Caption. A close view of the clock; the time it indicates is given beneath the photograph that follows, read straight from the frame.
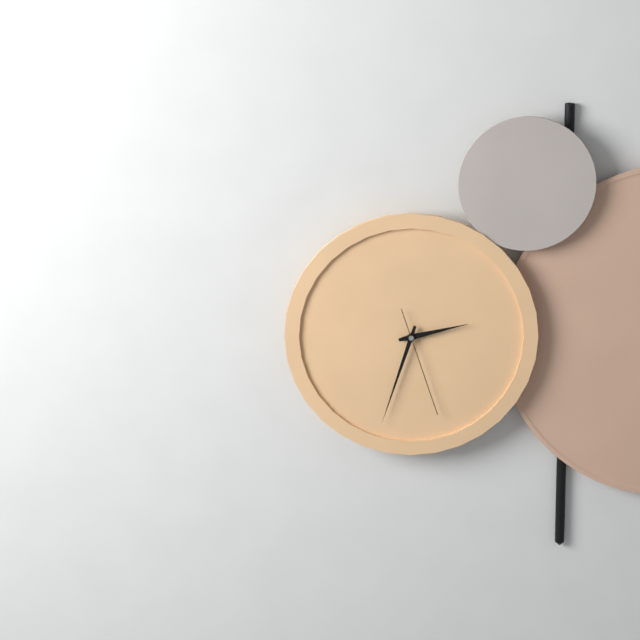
2:33:27
